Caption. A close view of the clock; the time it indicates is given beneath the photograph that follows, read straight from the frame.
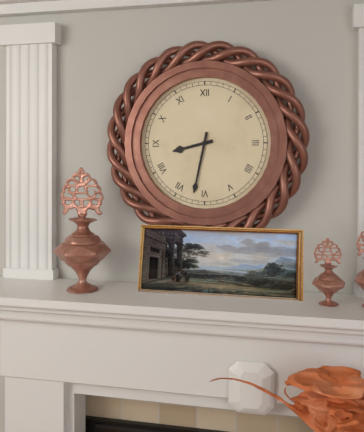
8:32
